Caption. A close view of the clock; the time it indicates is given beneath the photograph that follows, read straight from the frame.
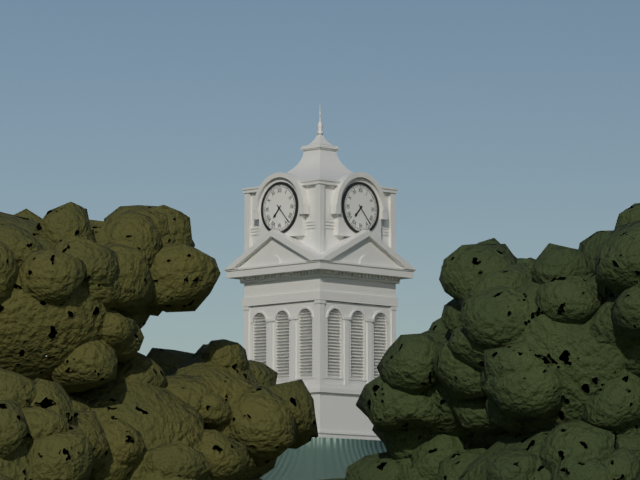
7:23
